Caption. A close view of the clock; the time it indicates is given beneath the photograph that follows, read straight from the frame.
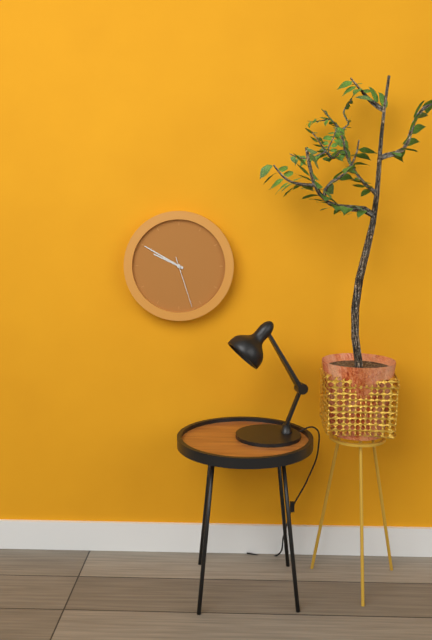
9:50:27
